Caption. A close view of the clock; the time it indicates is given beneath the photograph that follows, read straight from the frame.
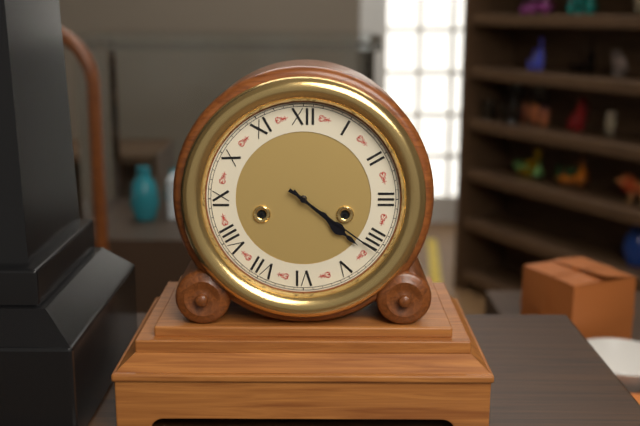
4:21
